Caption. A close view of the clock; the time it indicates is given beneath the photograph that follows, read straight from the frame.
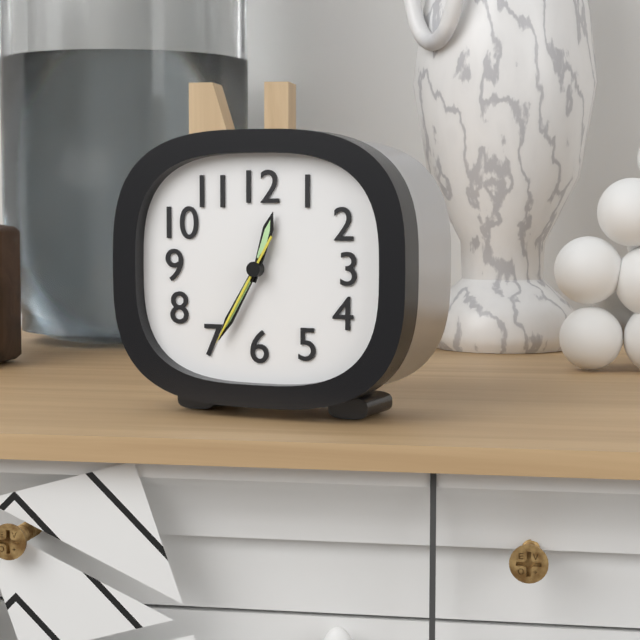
12:35:35
